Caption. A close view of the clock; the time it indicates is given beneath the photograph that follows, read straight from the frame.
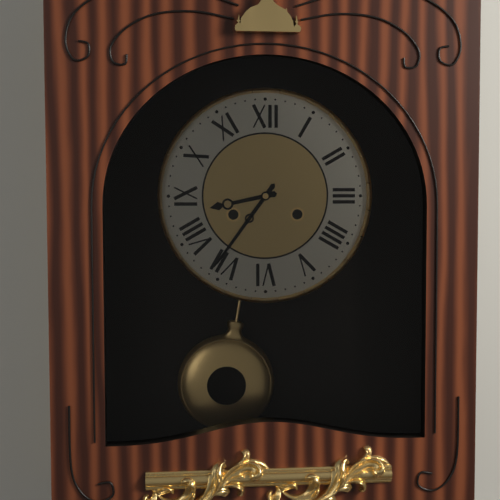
8:36
